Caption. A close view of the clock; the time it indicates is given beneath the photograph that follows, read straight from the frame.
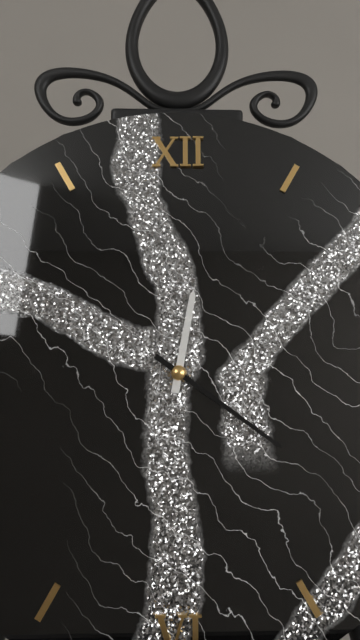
12:21
